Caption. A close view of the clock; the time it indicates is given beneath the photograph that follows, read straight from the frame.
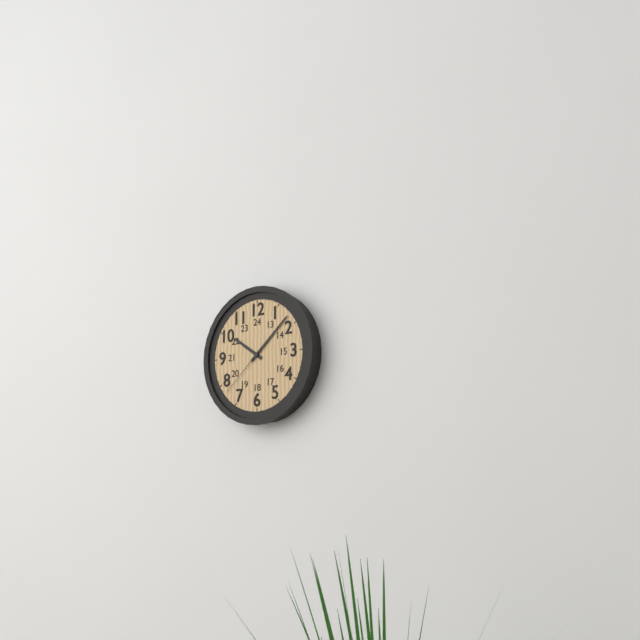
10:08:38
